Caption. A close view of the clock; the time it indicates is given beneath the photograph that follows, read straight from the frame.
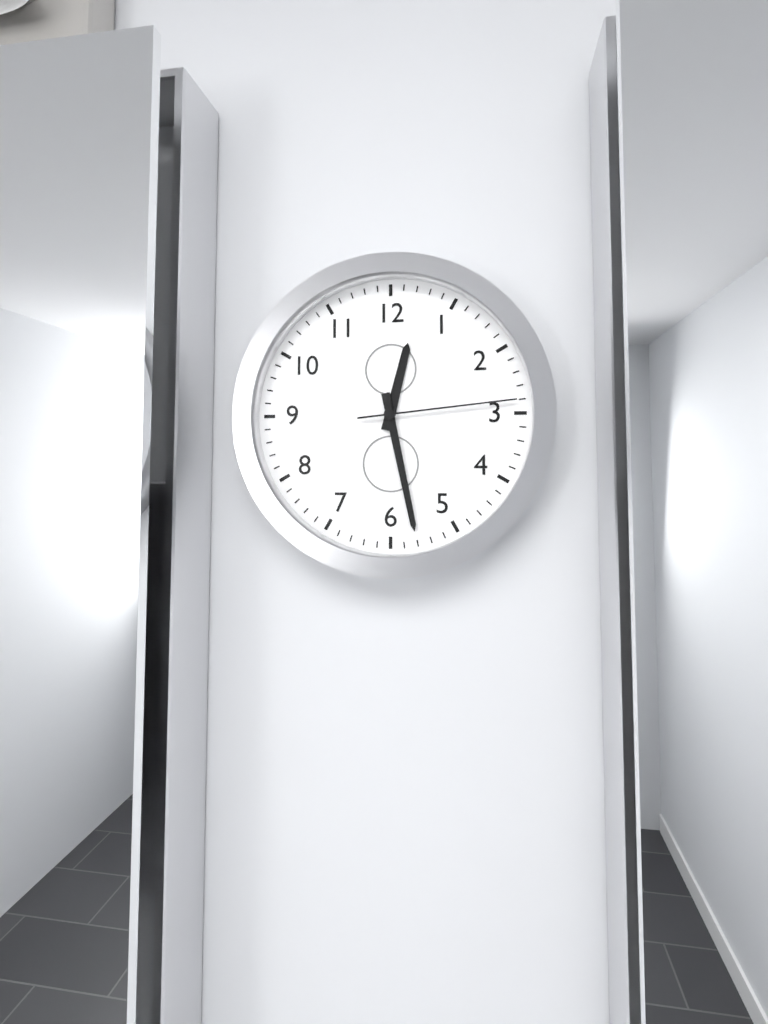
12:28:14
